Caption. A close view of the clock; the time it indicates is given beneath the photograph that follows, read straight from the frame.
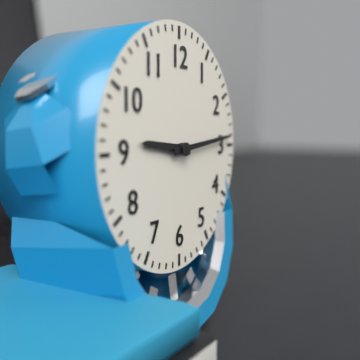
9:14
